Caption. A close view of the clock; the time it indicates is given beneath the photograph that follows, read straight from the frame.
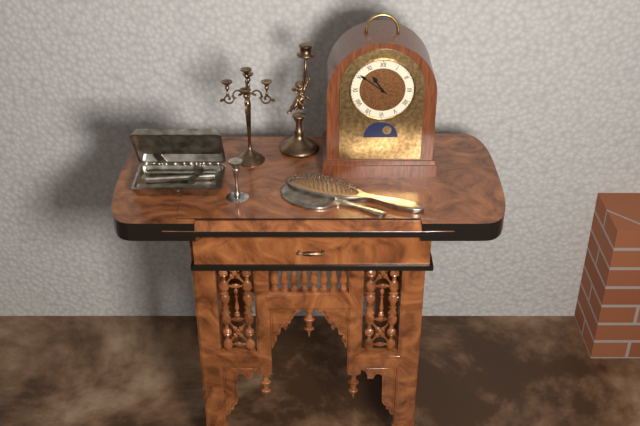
10:51
